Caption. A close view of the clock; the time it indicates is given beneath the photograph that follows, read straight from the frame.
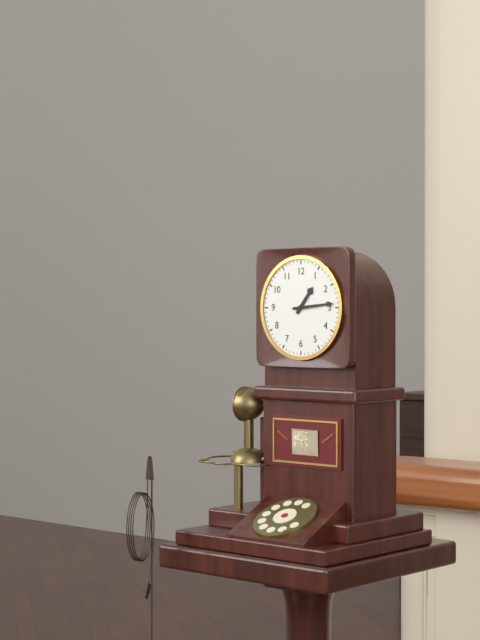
1:14
